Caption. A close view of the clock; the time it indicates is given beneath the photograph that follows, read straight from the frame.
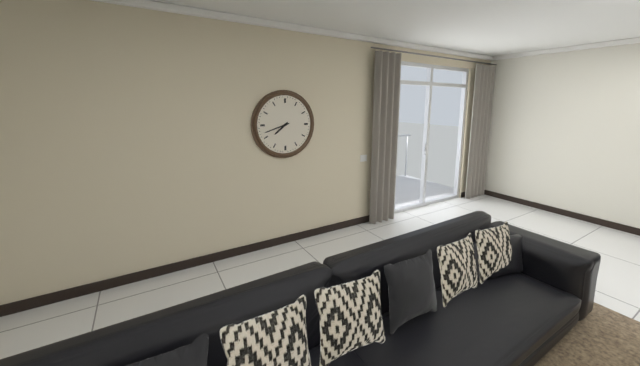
7:42
